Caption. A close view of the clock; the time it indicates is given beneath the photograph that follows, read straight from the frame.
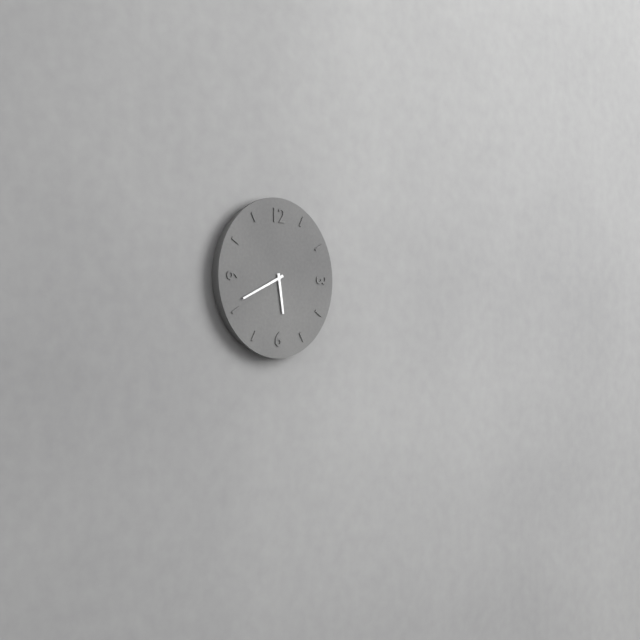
5:41
